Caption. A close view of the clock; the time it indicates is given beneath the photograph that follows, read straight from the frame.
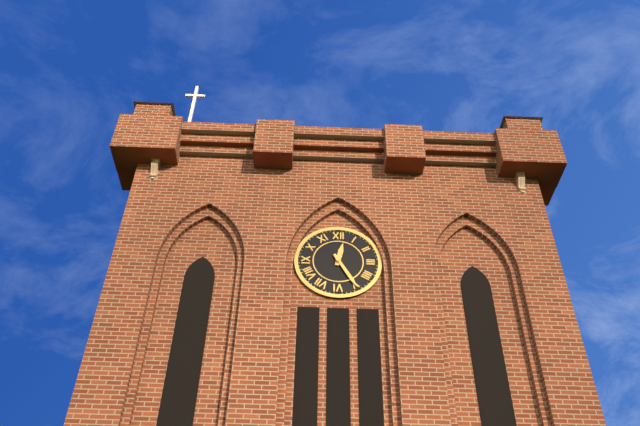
12:25
